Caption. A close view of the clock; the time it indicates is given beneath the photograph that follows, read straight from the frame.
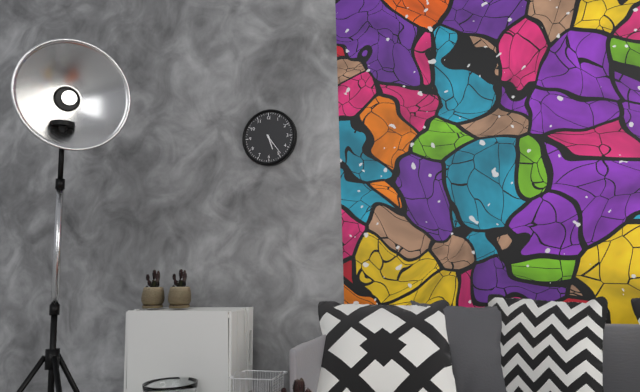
5:24
